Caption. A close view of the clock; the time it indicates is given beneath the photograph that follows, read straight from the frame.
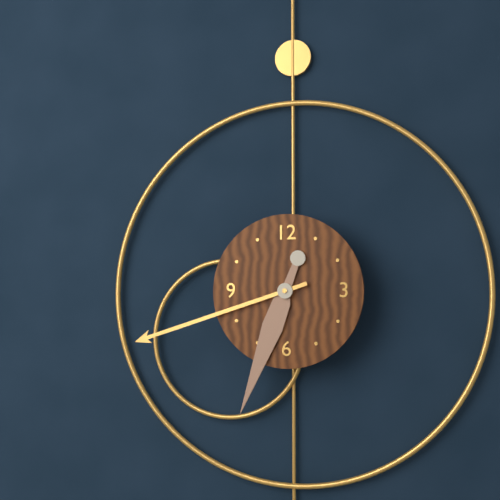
6:42
